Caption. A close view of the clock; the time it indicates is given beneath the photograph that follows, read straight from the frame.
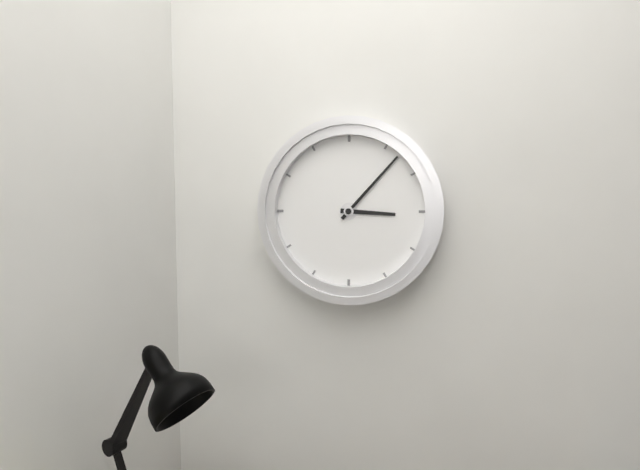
3:07
